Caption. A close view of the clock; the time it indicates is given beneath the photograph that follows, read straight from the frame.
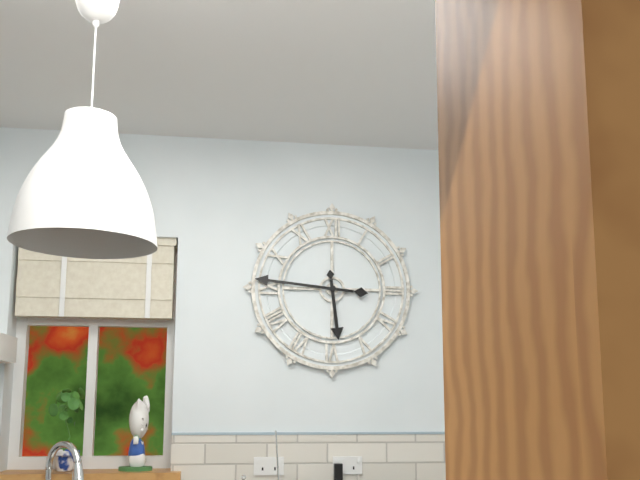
5:46
